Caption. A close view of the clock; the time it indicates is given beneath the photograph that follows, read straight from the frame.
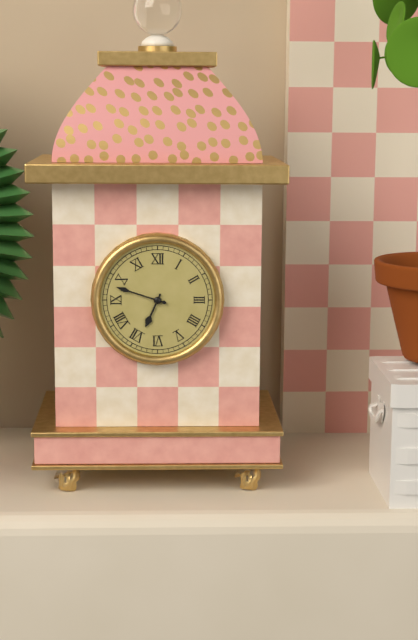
6:48
